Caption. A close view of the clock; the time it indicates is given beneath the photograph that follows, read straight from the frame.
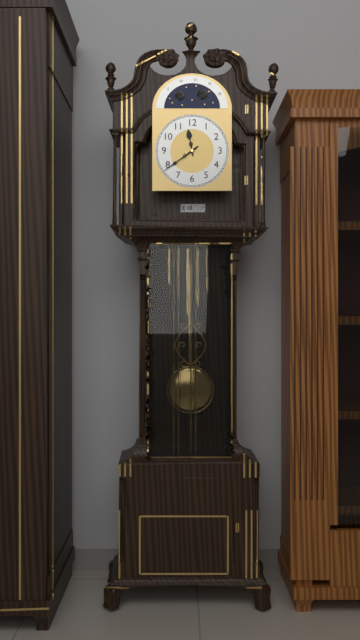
11:39
